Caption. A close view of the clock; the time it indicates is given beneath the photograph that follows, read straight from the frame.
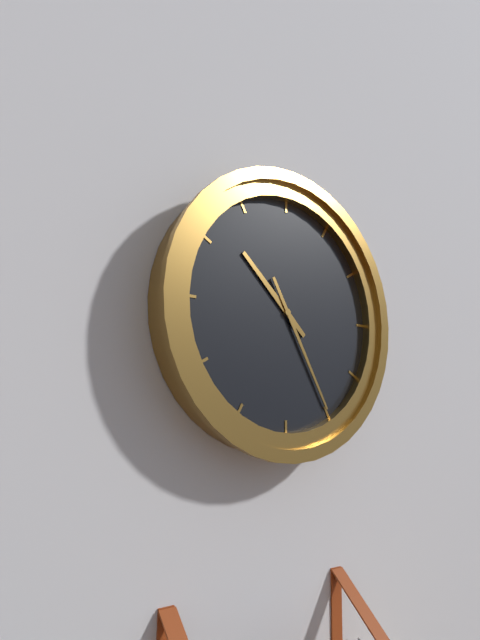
10:25
